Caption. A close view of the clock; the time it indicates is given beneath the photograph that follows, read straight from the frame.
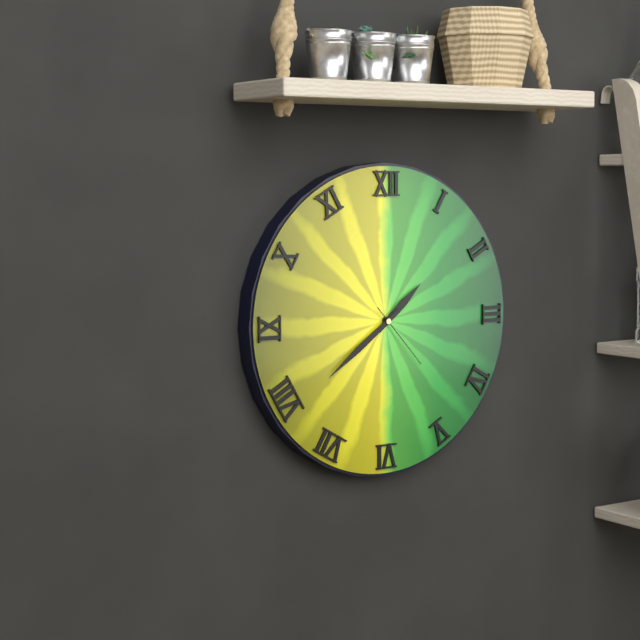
1:39:23
